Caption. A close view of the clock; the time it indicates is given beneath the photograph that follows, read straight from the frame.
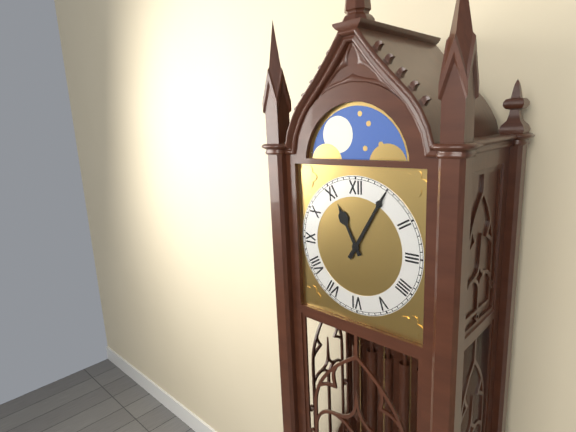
11:05
